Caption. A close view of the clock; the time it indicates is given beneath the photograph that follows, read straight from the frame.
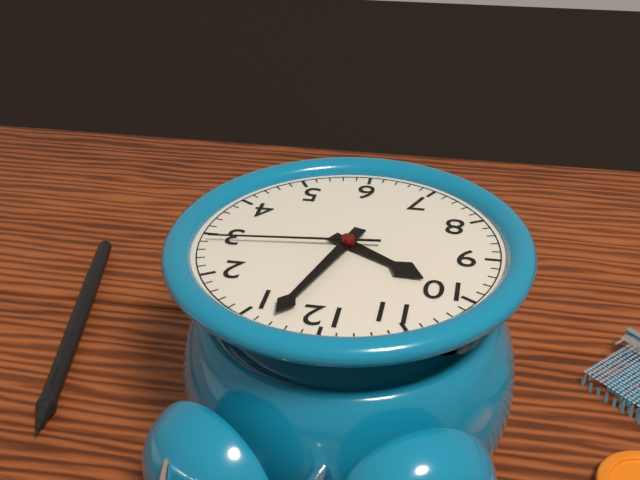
10:03:14
